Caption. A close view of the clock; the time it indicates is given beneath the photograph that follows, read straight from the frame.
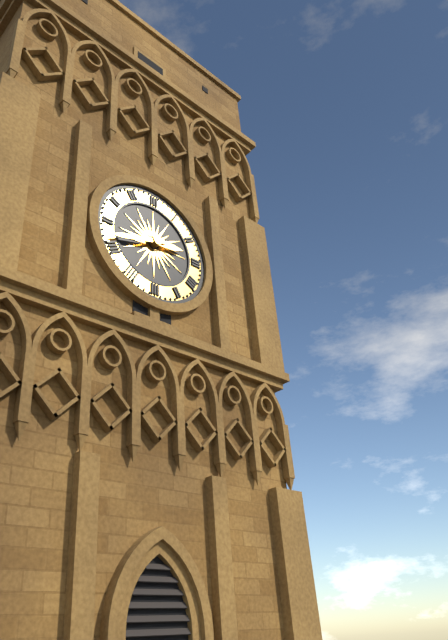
2:42
